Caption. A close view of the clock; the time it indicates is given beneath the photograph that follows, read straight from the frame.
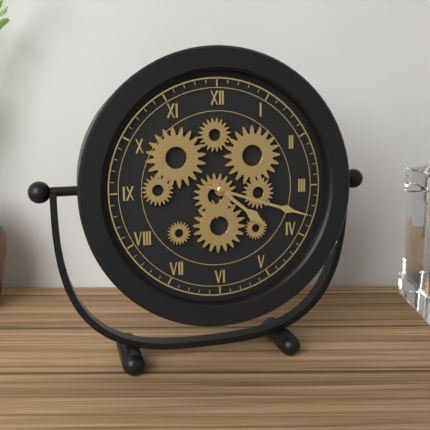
4:18
